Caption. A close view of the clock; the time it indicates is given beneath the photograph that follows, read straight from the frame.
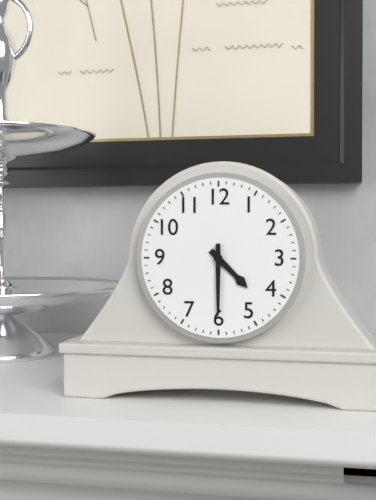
4:30
